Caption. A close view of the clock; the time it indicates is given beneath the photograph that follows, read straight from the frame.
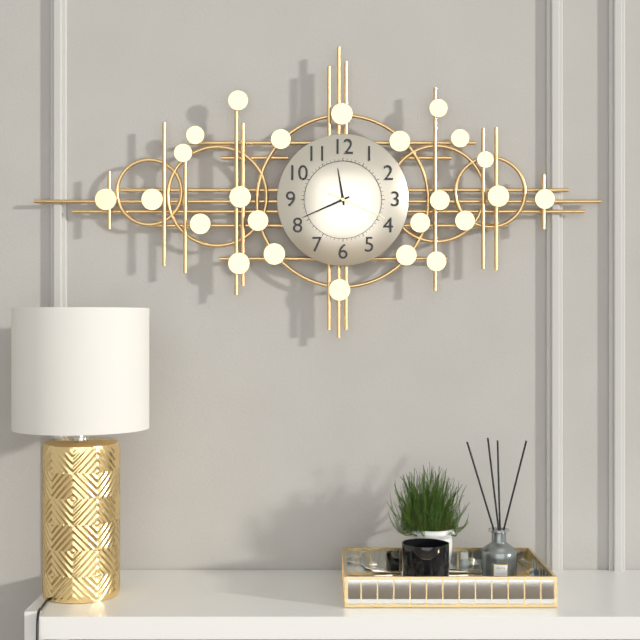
11:41:19
